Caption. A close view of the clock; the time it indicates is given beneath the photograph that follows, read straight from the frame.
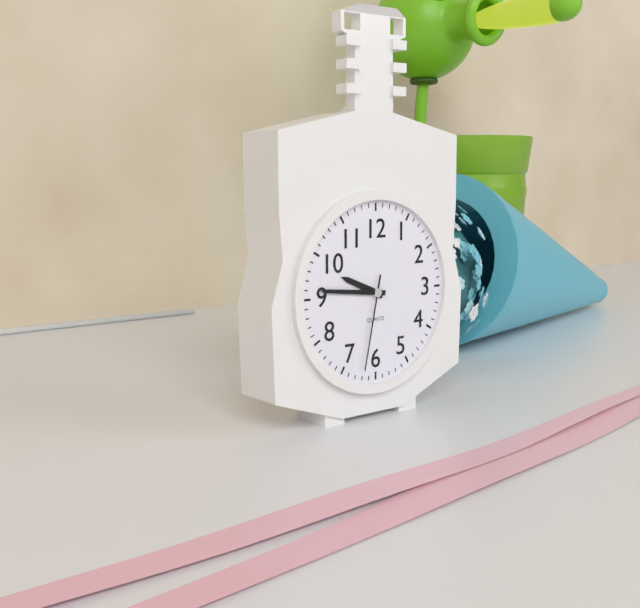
9:46:32
